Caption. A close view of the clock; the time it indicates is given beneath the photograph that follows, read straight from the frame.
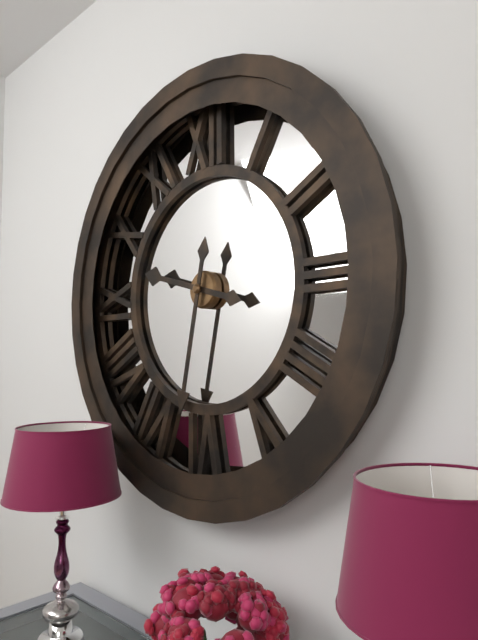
9:32
